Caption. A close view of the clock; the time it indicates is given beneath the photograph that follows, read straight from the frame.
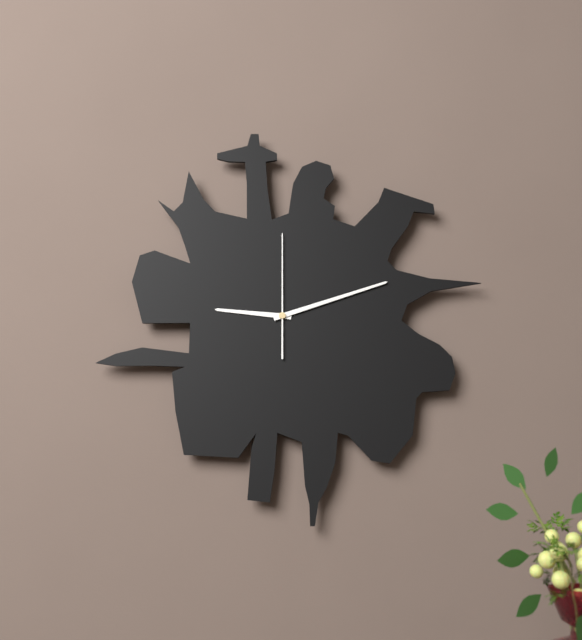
9:12:00
